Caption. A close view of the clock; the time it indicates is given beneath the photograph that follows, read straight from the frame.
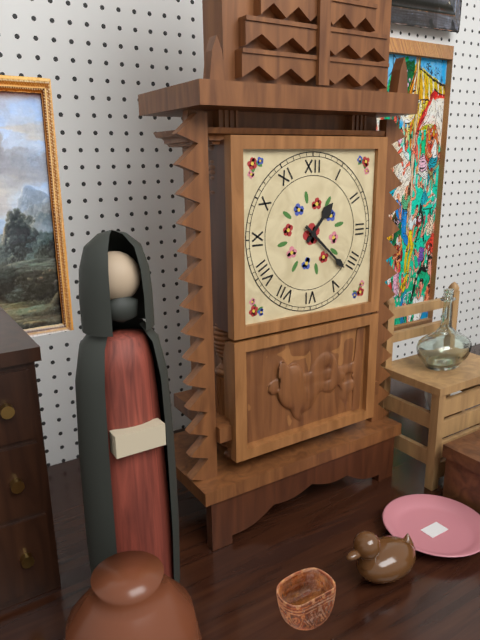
1:22
